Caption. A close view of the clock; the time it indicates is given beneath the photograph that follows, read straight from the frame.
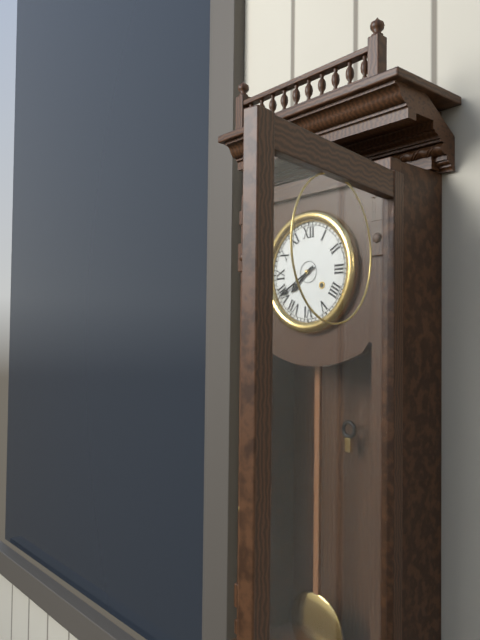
7:40
